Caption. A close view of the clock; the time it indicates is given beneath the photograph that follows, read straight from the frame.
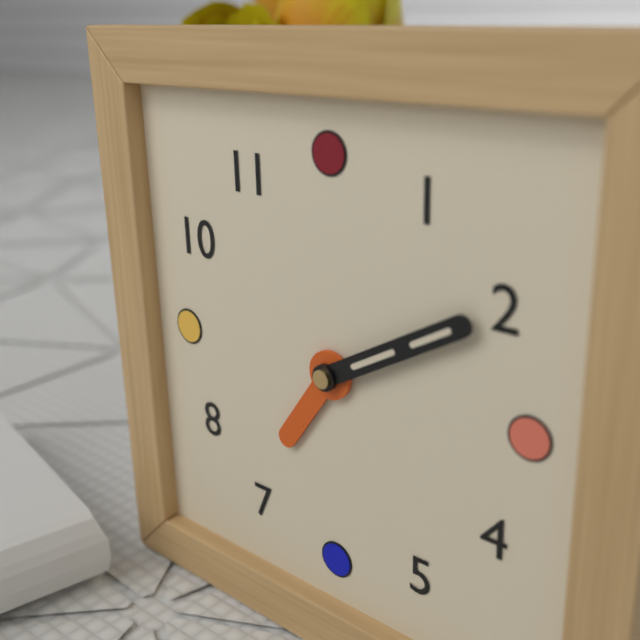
7:10
